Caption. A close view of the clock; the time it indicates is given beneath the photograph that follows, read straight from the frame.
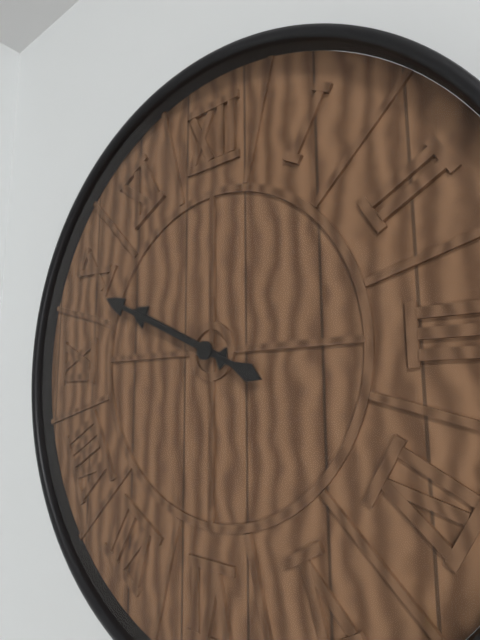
9:49
